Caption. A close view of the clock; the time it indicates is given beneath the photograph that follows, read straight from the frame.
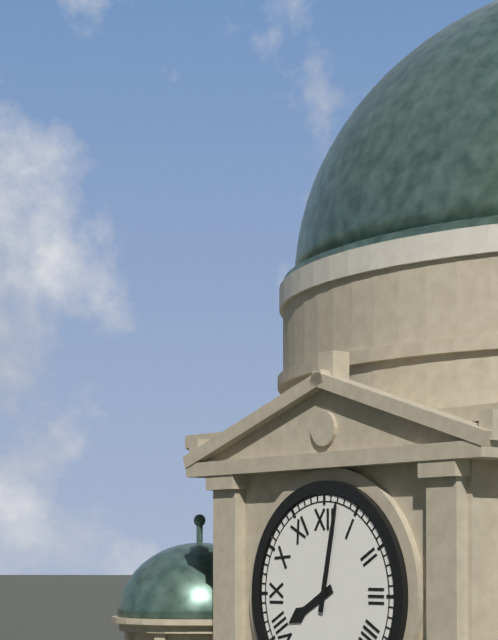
8:02
